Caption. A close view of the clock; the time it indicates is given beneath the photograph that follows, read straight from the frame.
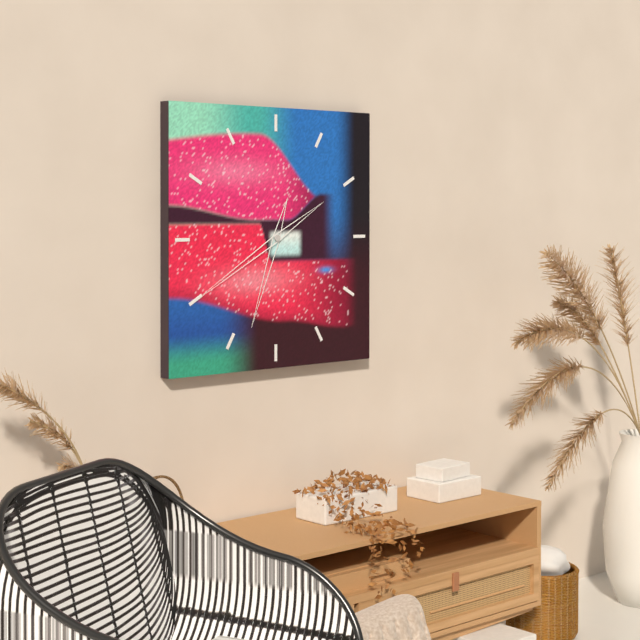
6:40
